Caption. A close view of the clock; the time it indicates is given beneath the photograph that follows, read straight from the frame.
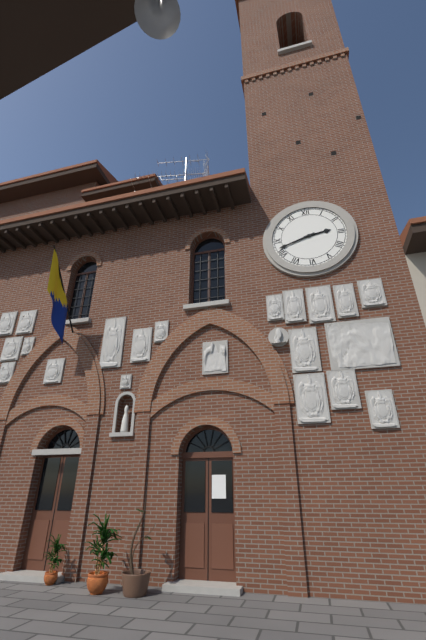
2:42
